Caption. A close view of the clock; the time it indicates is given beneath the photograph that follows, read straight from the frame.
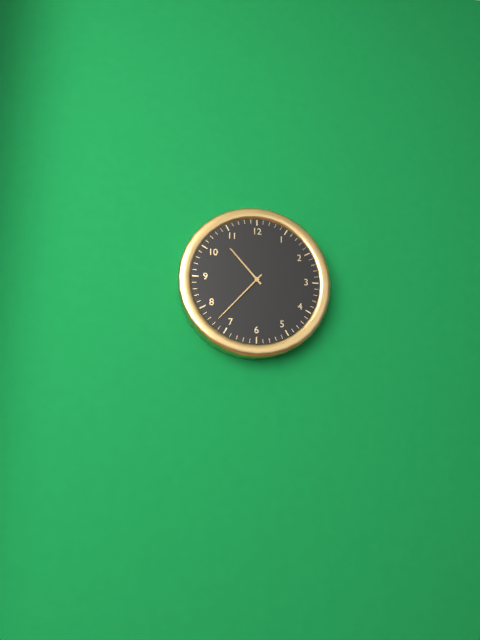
10:37
